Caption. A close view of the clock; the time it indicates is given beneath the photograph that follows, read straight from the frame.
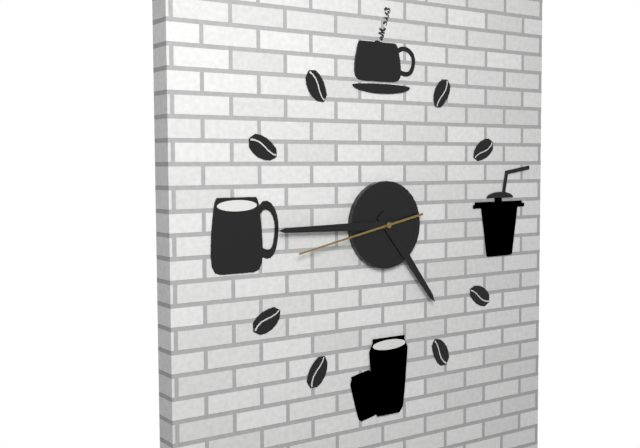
4:45:43
